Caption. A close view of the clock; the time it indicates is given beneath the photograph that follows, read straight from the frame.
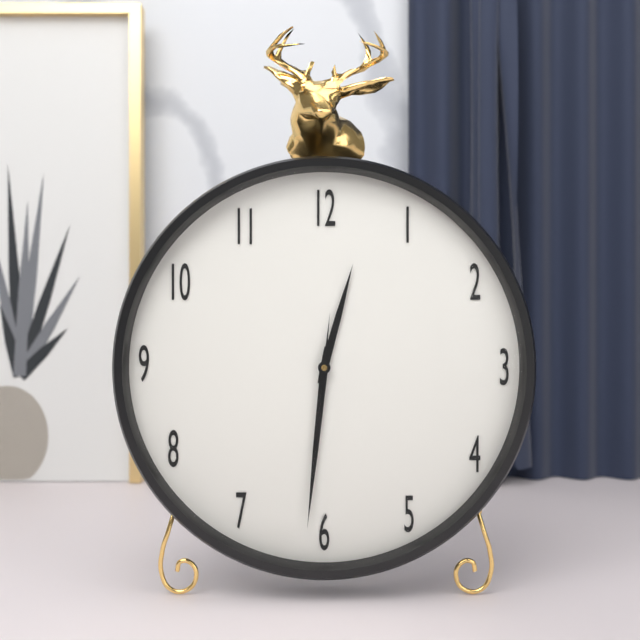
12:31:31
